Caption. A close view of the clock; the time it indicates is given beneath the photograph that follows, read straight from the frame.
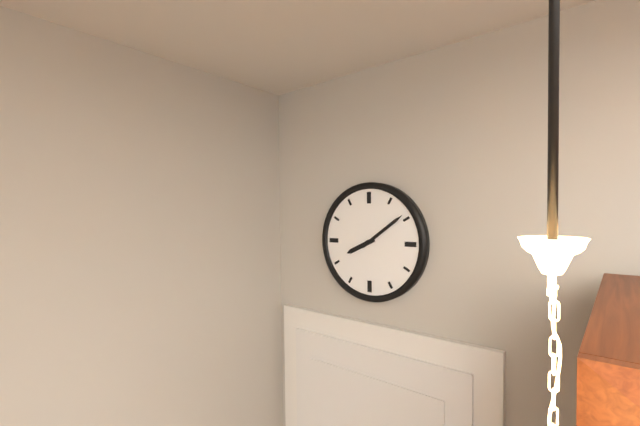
8:09
